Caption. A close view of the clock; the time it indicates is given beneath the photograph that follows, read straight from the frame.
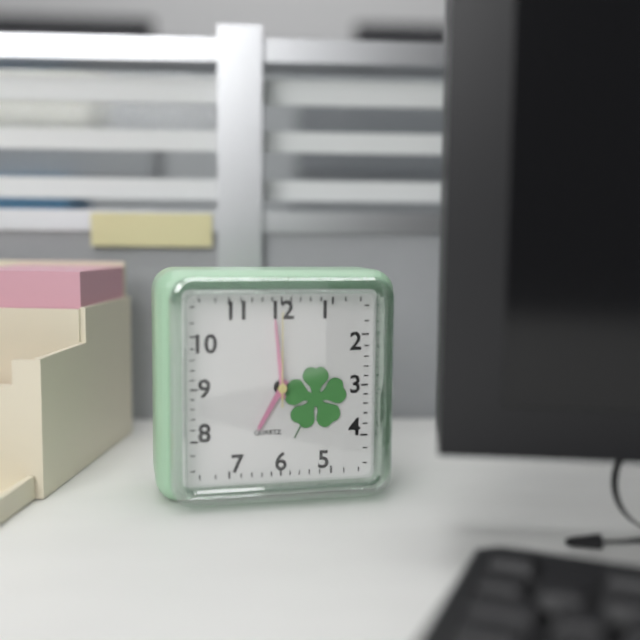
6:59:00
